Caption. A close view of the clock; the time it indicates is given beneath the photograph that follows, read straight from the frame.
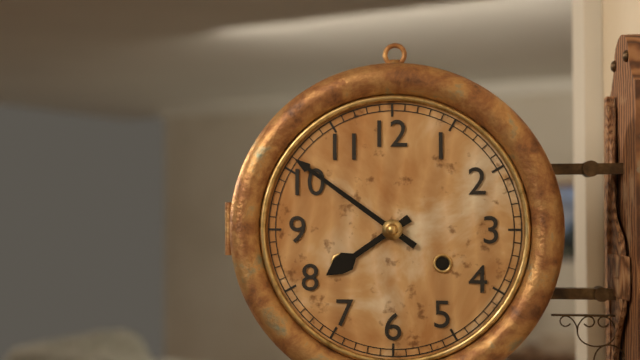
7:51
